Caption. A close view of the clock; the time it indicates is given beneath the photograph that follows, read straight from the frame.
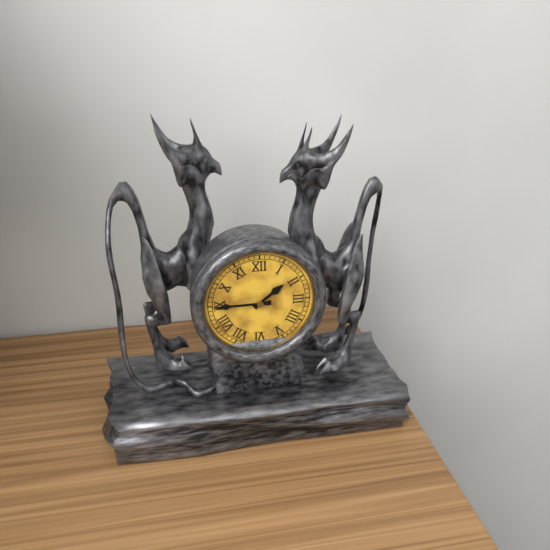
1:45
